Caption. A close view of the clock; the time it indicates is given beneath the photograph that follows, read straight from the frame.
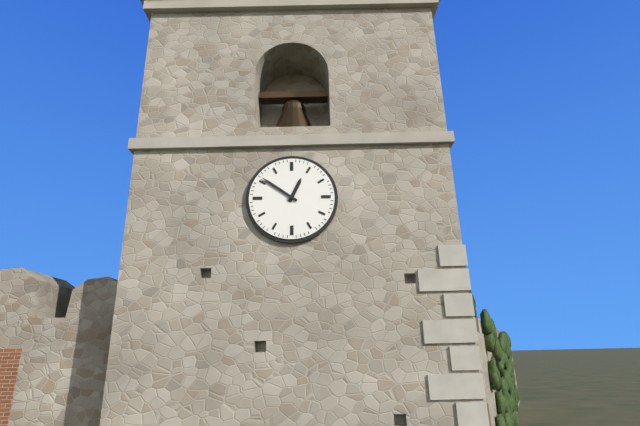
12:51
